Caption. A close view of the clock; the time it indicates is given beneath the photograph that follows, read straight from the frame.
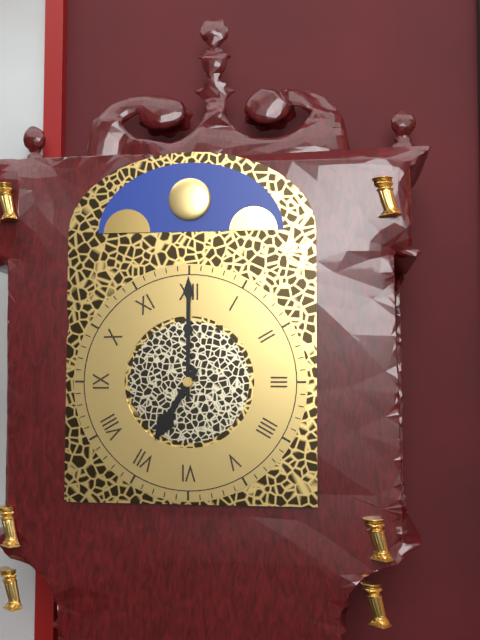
7:00
